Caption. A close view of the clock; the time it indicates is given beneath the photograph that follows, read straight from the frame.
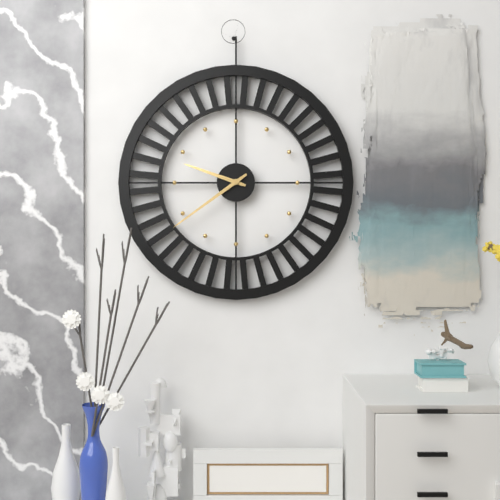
9:39
